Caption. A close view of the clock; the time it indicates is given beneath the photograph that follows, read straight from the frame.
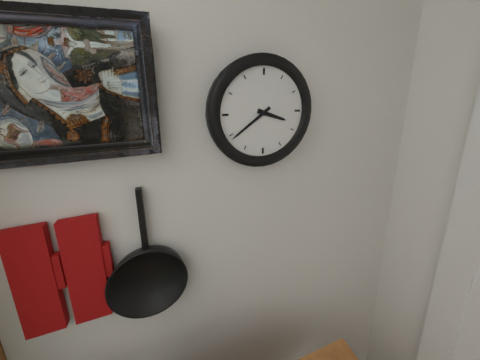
3:39
